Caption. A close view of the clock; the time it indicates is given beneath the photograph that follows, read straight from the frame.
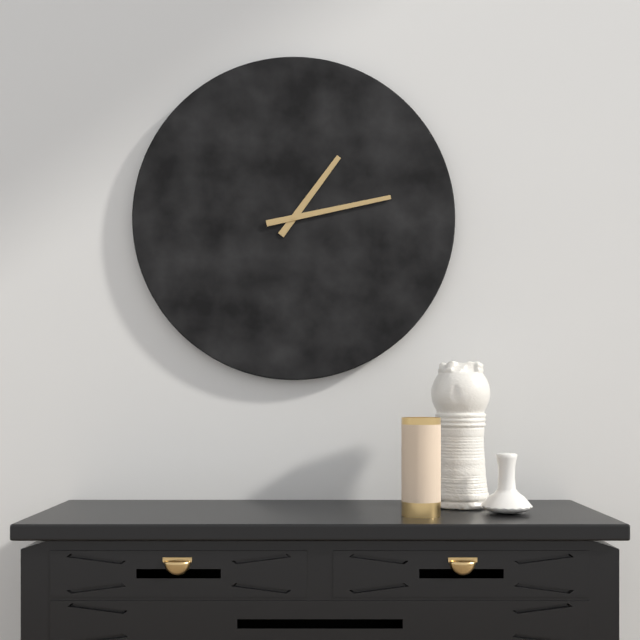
1:13
